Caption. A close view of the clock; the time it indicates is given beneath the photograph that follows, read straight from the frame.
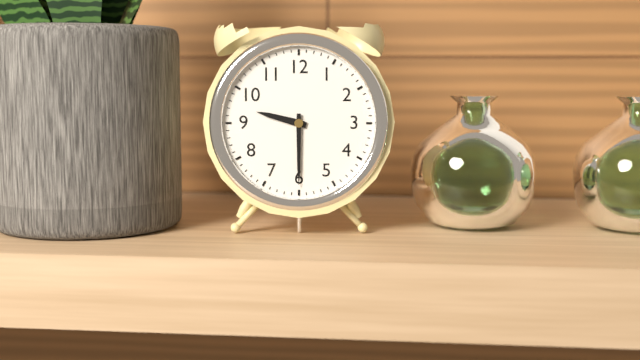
9:30
